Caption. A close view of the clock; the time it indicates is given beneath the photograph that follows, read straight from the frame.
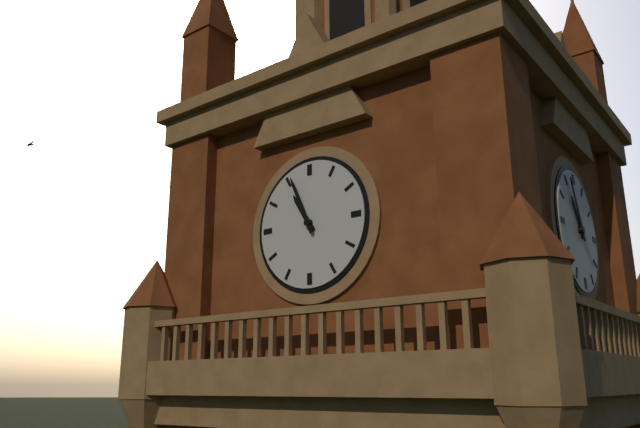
10:56
